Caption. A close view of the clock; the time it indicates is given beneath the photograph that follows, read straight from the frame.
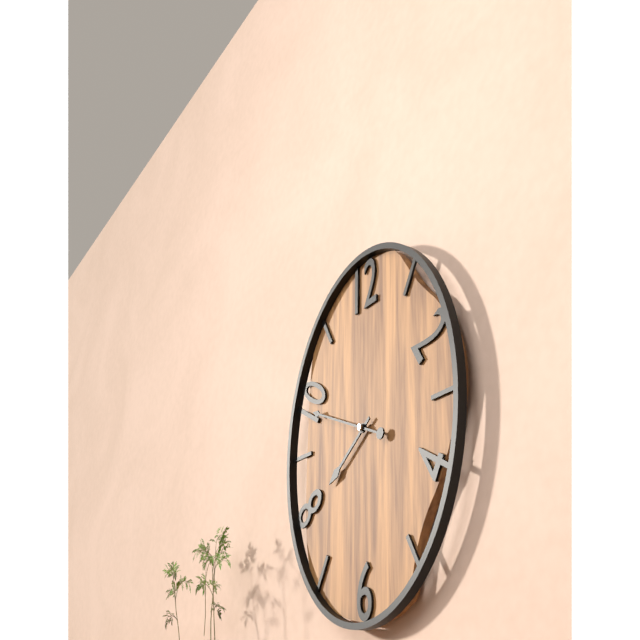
7:49
